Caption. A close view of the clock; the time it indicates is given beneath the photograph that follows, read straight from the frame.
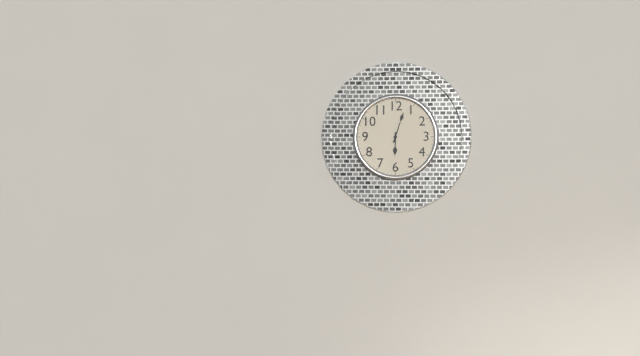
6:03
